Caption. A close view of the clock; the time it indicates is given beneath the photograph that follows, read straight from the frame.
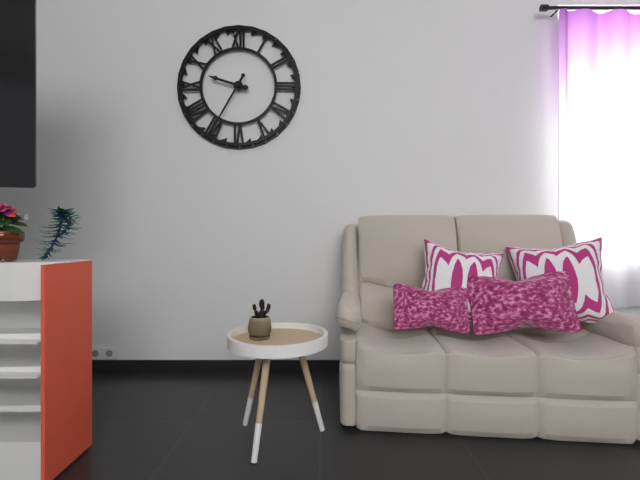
9:35
